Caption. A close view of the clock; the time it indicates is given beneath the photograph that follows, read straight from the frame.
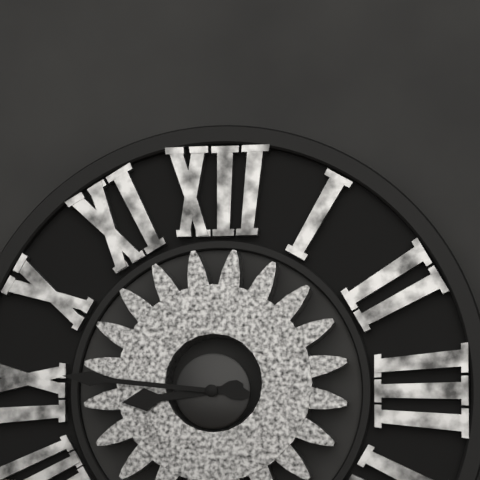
8:46
